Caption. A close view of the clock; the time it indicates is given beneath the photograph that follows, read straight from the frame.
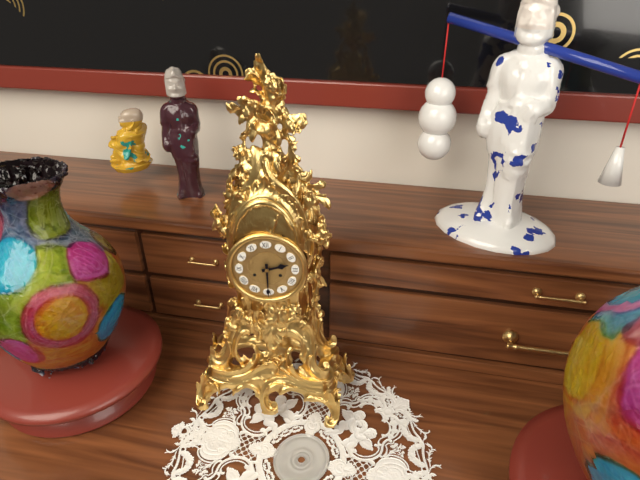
2:30
